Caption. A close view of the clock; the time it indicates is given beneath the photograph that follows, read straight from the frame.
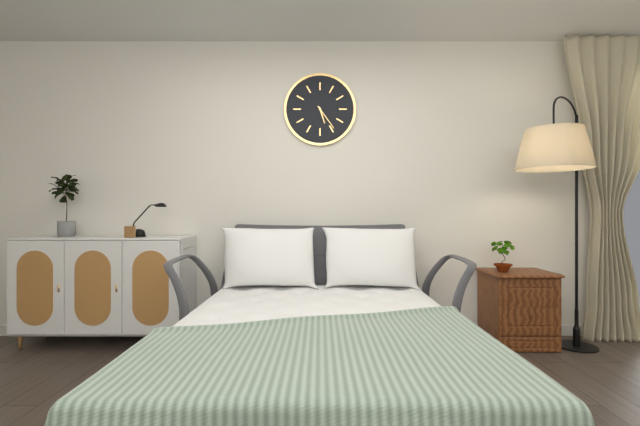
5:24
